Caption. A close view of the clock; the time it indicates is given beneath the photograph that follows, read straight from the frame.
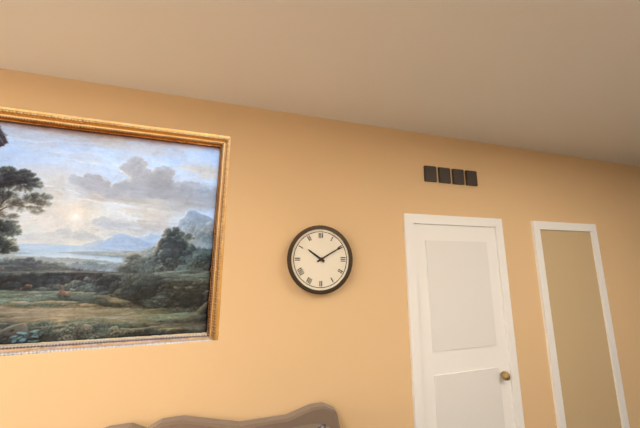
10:10
